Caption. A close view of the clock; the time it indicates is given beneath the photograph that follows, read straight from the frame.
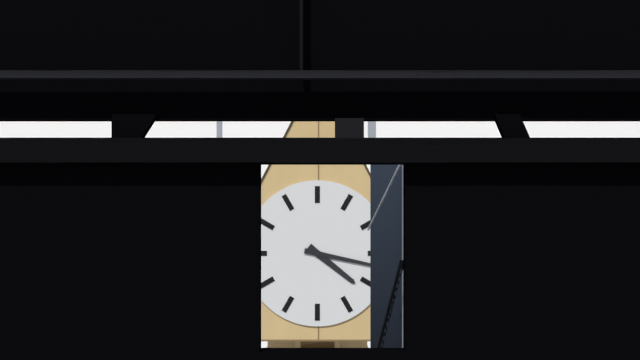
4:17
